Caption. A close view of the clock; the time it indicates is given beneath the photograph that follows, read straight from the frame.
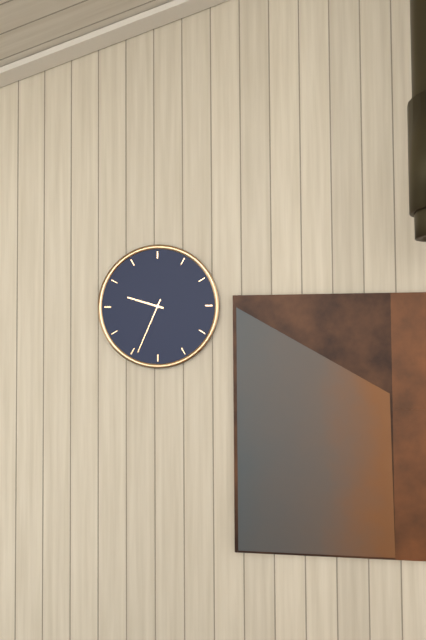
9:34
